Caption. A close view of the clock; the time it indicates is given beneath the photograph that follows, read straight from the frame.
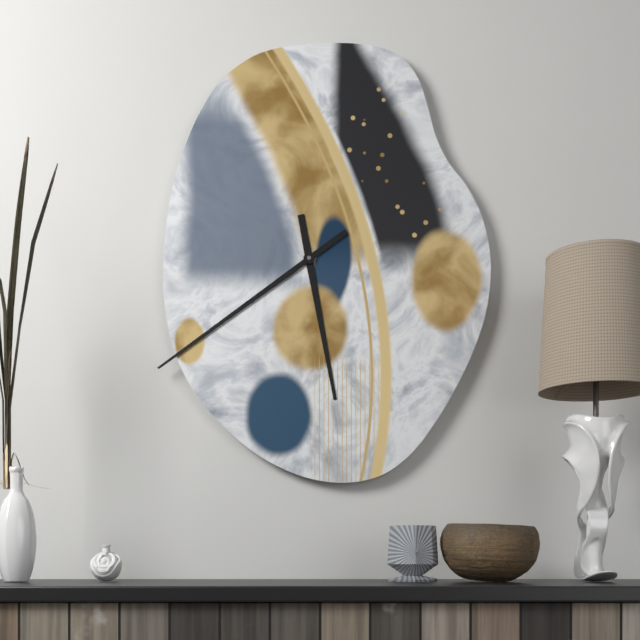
5:39
